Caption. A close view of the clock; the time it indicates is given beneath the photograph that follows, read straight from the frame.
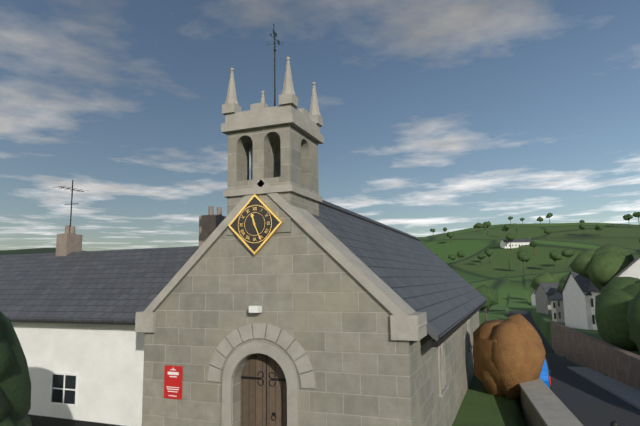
11:26
